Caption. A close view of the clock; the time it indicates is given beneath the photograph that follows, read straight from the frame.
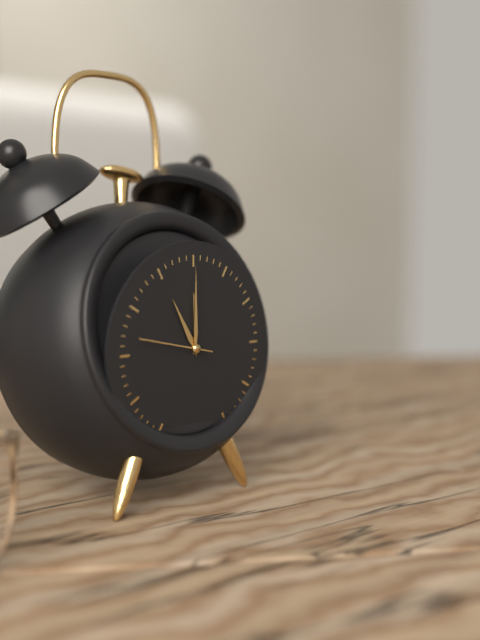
11:00:47
